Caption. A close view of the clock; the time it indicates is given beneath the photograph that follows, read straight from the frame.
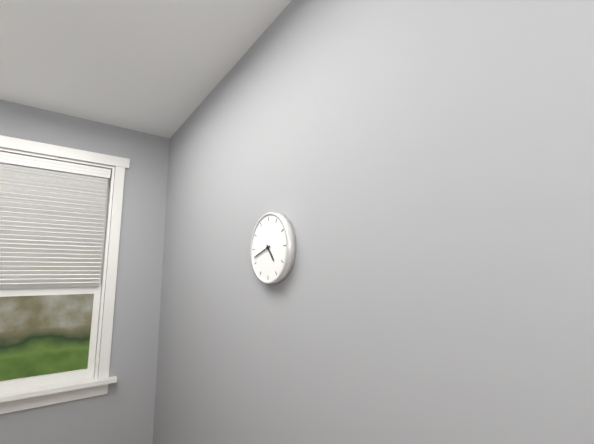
4:42
